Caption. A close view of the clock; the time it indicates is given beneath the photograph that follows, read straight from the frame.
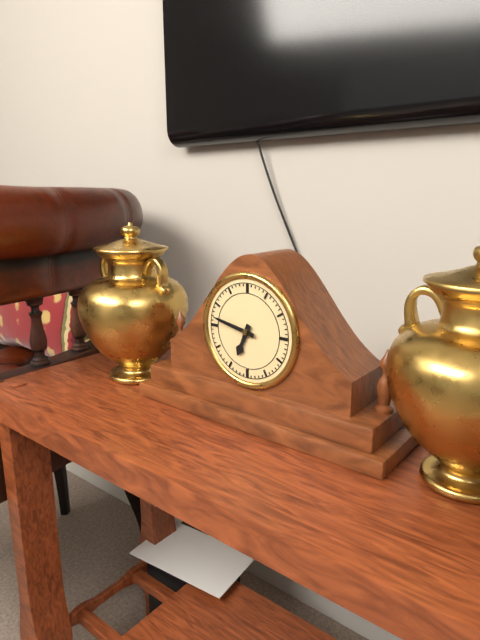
6:47
